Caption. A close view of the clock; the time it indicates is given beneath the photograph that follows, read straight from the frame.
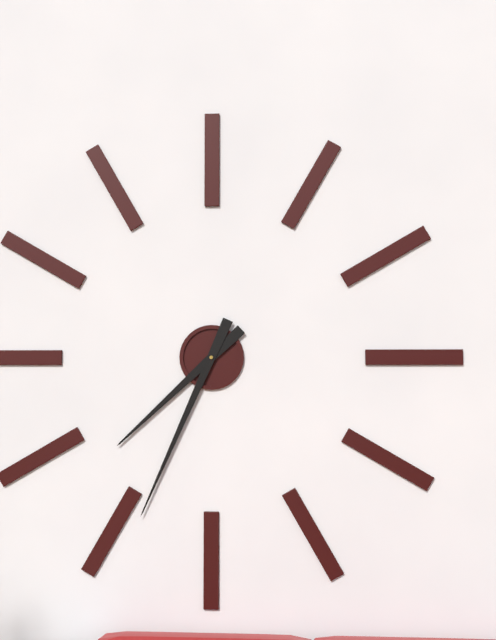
7:34
